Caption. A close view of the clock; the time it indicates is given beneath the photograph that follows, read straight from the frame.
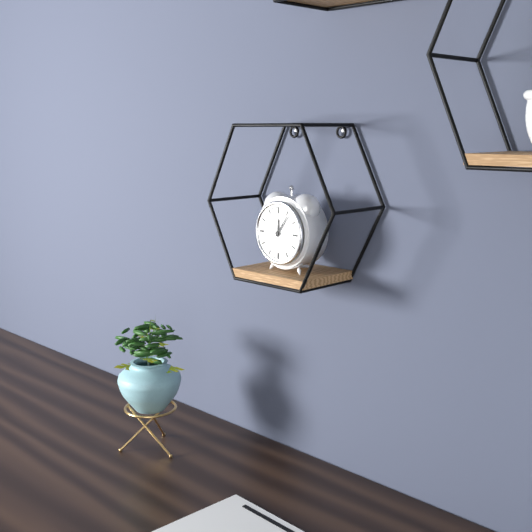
12:06
